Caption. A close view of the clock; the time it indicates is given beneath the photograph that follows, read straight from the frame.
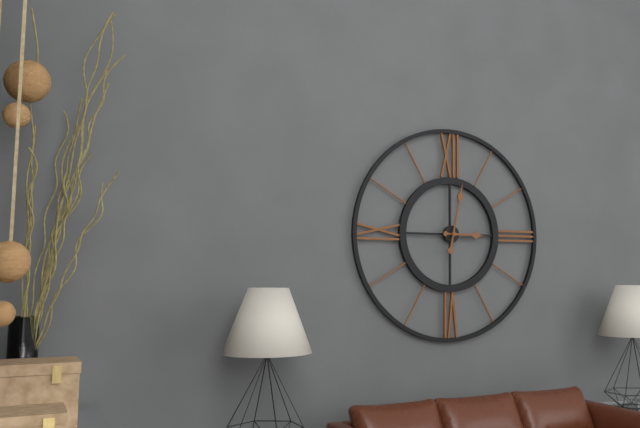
3:02
